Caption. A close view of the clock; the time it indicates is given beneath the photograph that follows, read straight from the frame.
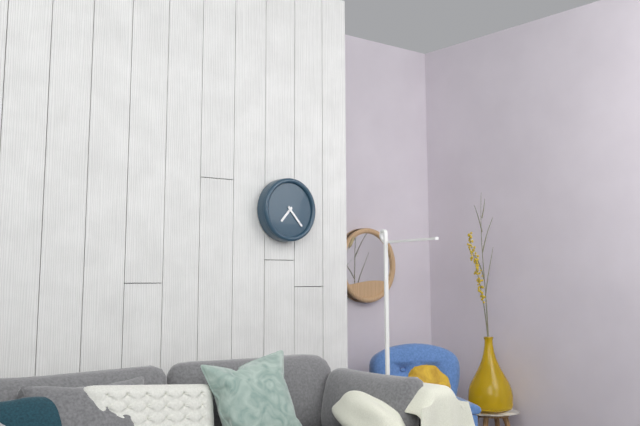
7:23
